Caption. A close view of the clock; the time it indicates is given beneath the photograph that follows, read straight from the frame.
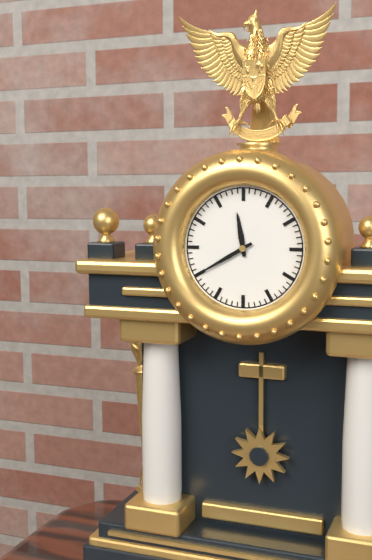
11:40
